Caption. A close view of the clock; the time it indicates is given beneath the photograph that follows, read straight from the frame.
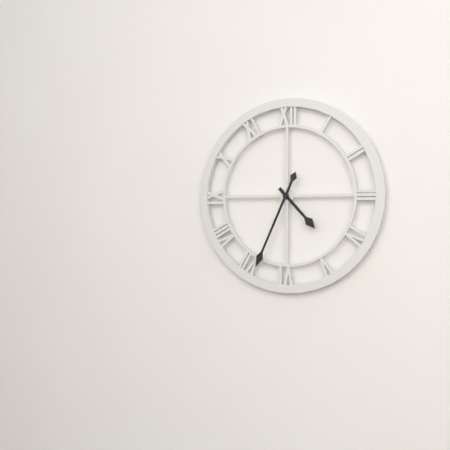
4:34
